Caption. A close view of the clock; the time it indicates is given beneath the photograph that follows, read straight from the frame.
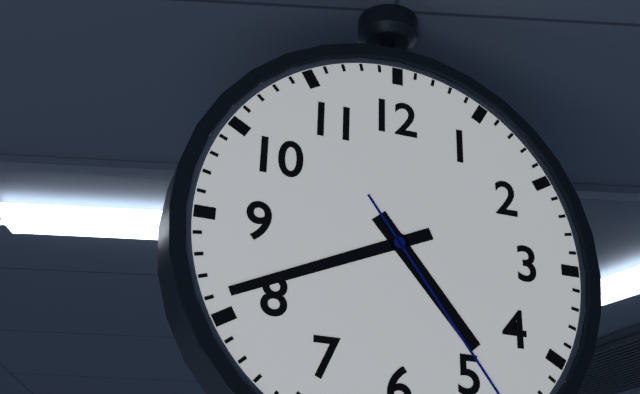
4:41
